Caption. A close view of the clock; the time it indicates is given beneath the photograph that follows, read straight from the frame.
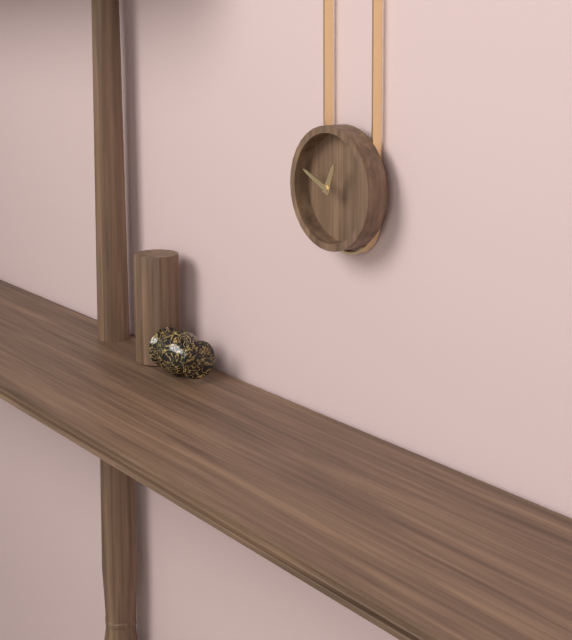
12:49
